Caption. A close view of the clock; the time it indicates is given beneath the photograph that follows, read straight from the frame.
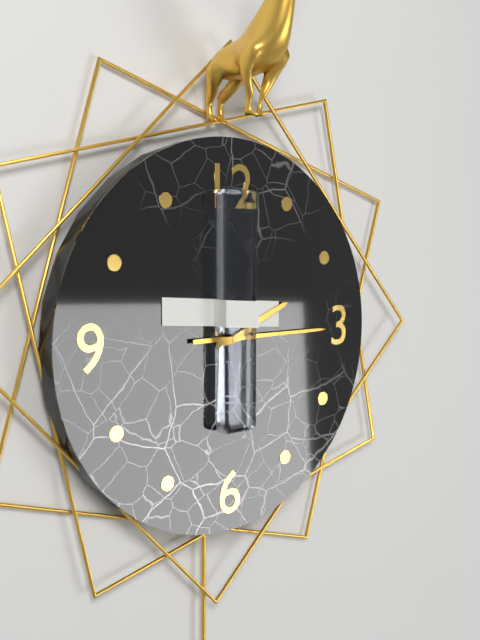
2:15
